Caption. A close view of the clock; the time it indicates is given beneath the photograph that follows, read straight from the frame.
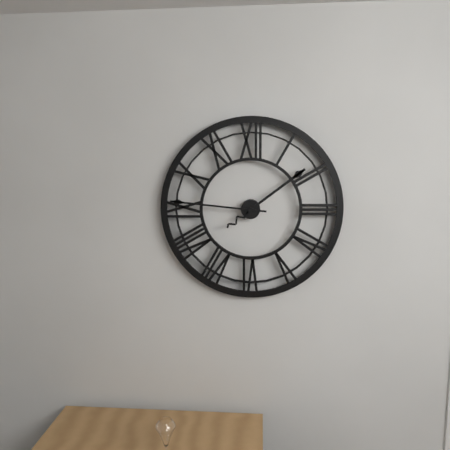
1:46
